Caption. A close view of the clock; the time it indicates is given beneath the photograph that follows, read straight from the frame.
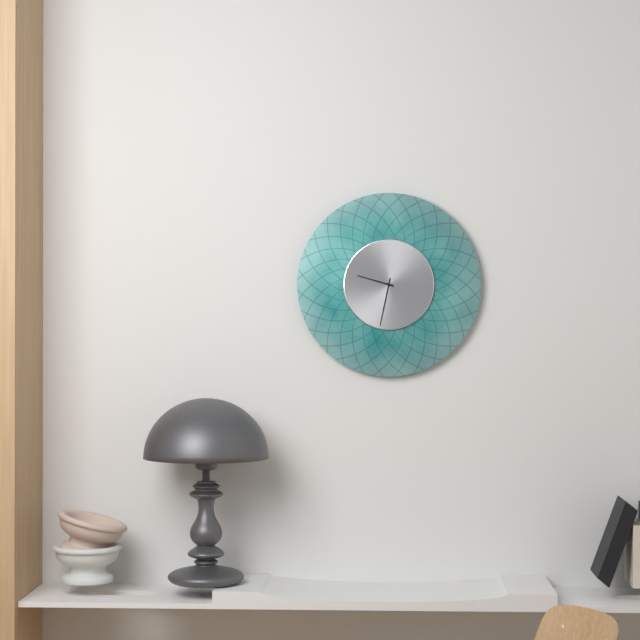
9:32
